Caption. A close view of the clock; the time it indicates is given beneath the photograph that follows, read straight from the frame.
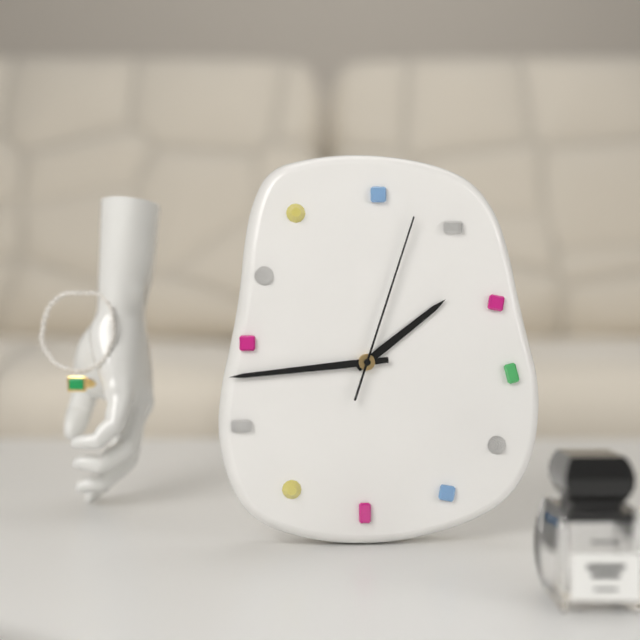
1:44:03
